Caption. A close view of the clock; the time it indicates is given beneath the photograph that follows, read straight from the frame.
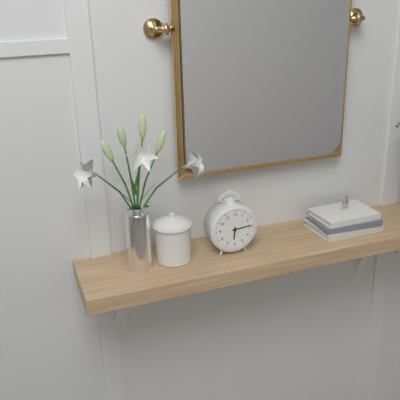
6:14
